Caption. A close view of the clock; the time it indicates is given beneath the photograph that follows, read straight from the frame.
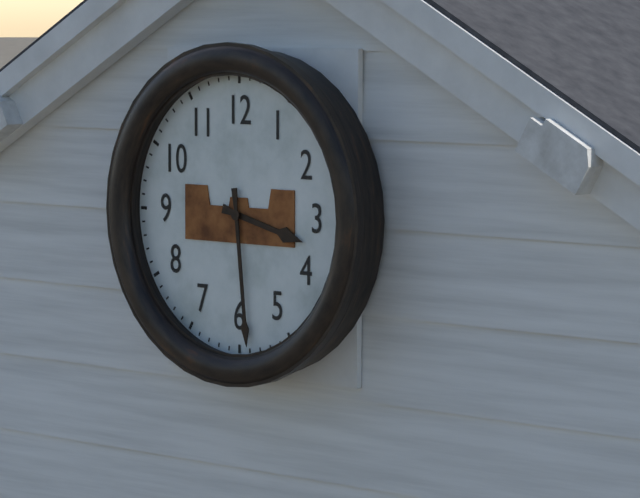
3:29
